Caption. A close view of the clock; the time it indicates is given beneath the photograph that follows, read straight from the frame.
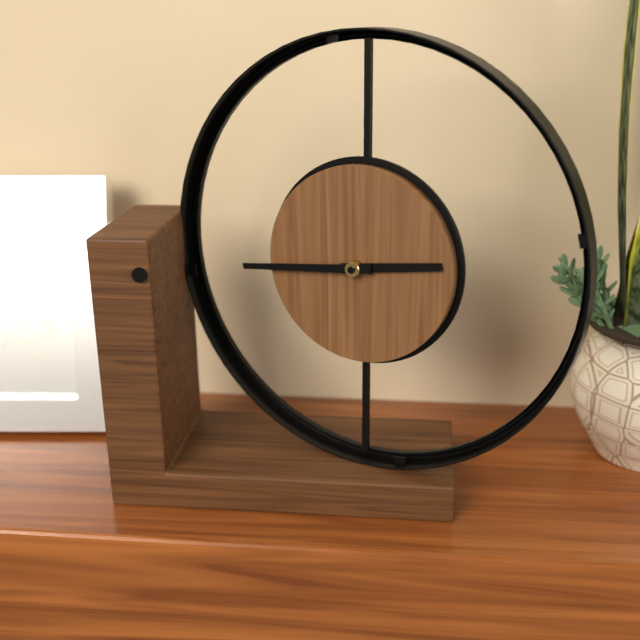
2:44
